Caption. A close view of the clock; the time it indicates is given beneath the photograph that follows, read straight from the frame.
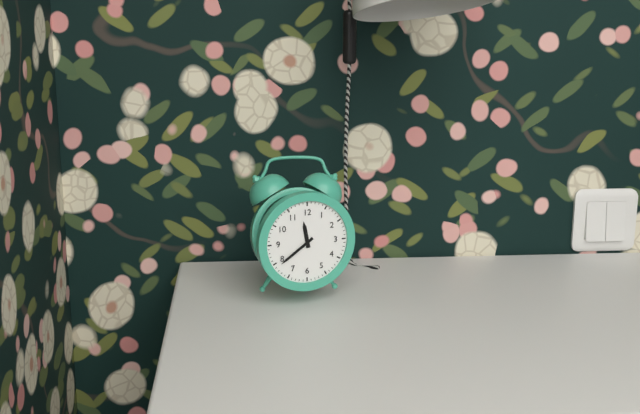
11:39
